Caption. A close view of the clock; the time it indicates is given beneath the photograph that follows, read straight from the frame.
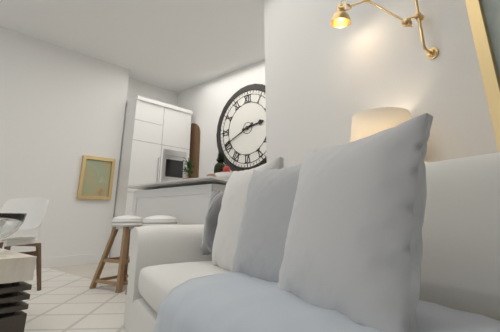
2:41
